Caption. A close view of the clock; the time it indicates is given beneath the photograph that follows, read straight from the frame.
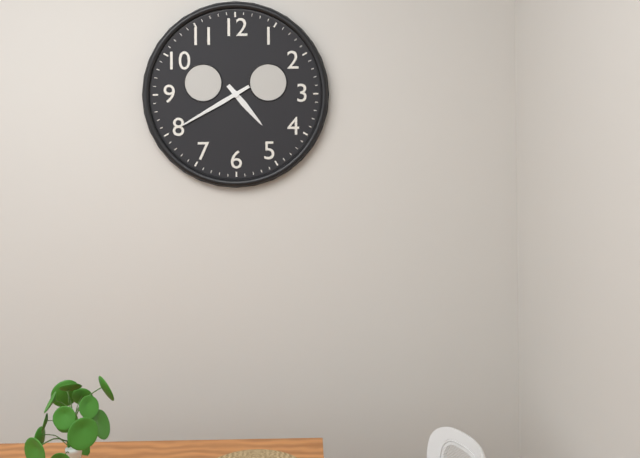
4:40
